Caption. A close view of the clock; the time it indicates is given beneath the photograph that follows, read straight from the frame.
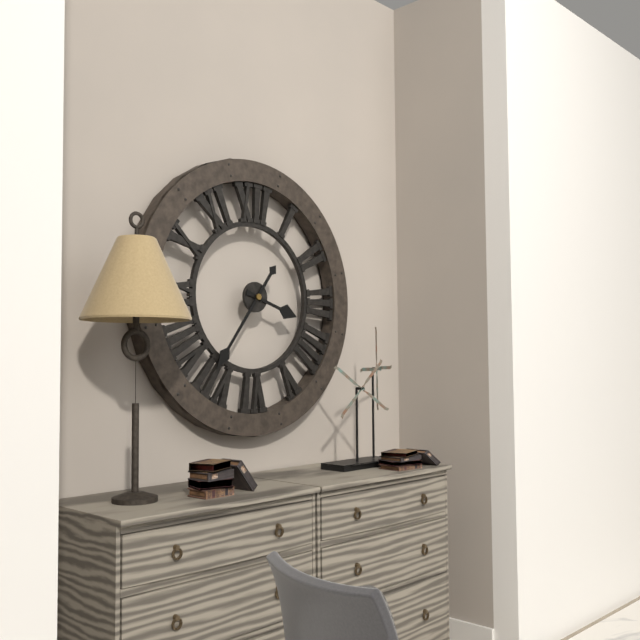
3:36
